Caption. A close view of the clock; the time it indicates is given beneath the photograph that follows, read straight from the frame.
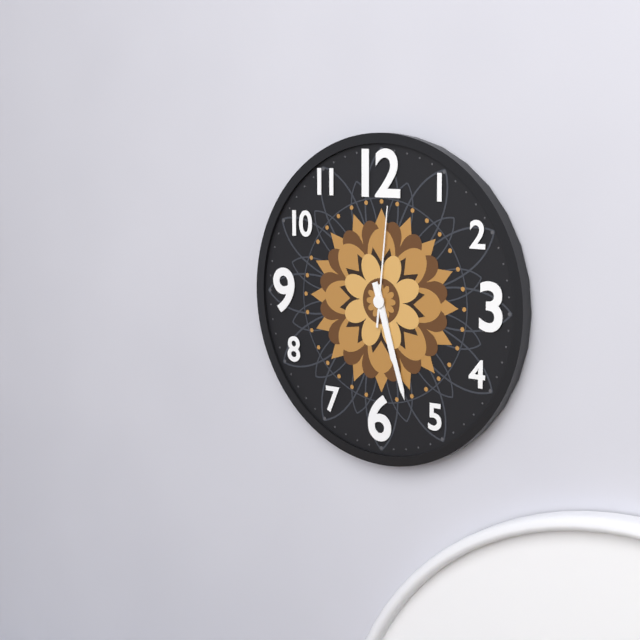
5:27:01
